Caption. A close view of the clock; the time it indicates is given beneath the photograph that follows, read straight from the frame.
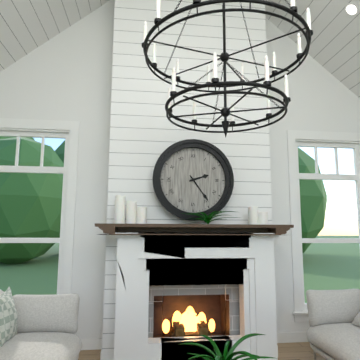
2:24
